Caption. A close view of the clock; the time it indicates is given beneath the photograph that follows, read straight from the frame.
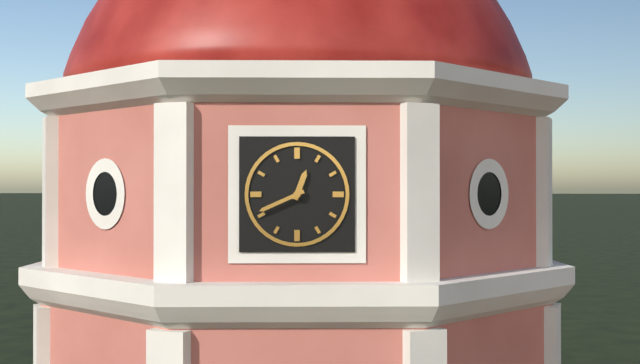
12:41
